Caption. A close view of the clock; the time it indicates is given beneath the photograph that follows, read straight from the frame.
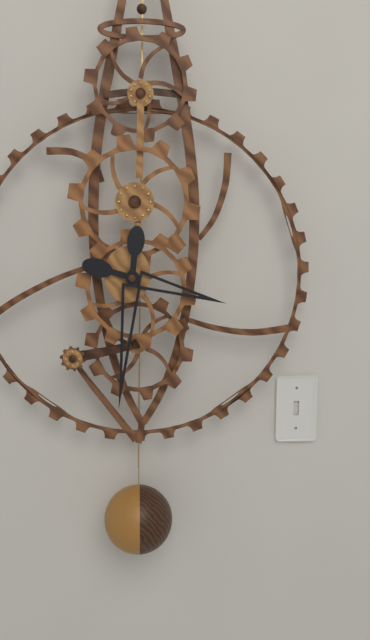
3:31
